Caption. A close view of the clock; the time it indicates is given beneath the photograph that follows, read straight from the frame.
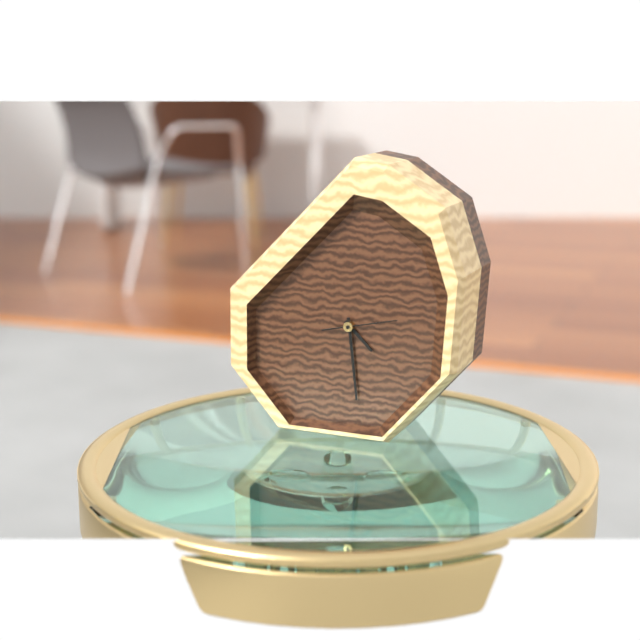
4:29:13
